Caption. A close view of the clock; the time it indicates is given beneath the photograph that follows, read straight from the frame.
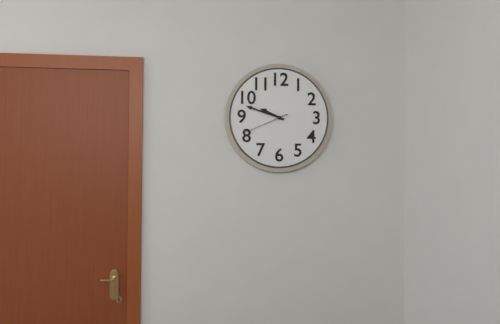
9:48
